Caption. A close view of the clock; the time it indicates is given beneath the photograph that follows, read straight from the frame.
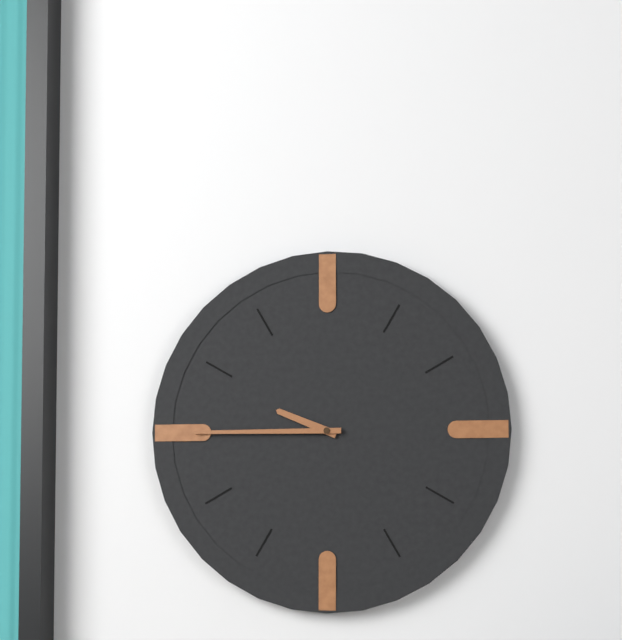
9:45
